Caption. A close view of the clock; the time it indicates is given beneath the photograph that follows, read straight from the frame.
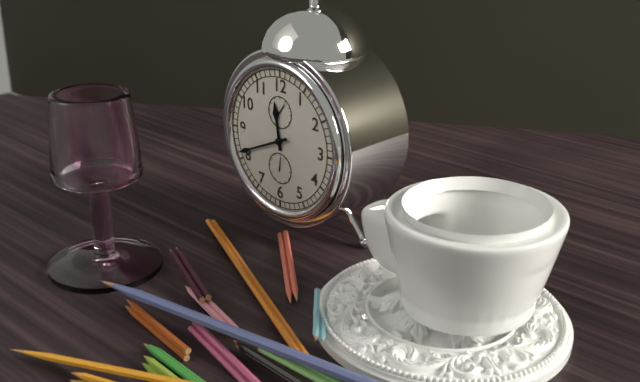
11:41
